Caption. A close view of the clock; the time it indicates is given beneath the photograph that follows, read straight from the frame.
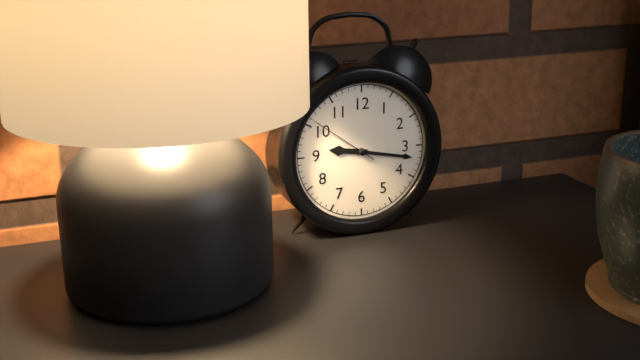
9:17:51
